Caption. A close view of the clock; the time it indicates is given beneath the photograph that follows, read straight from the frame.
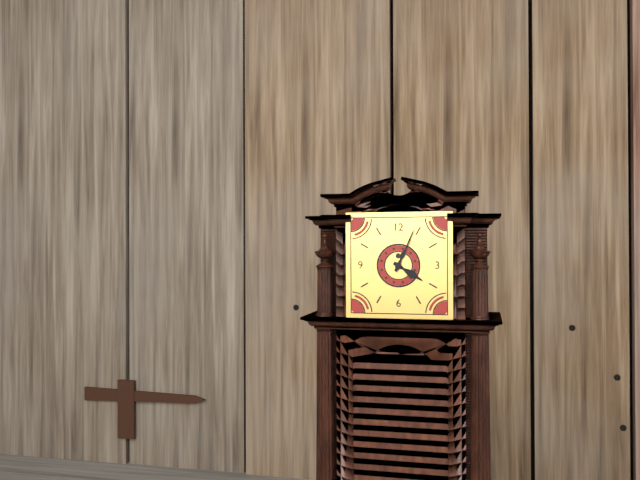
4:04
